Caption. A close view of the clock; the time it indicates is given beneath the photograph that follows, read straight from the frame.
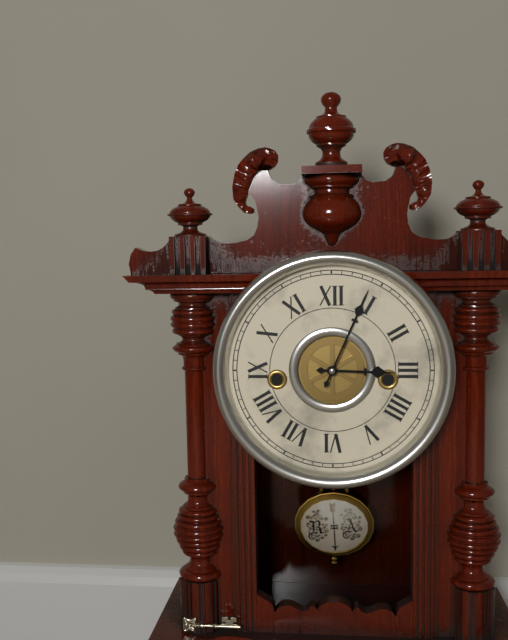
3:04
